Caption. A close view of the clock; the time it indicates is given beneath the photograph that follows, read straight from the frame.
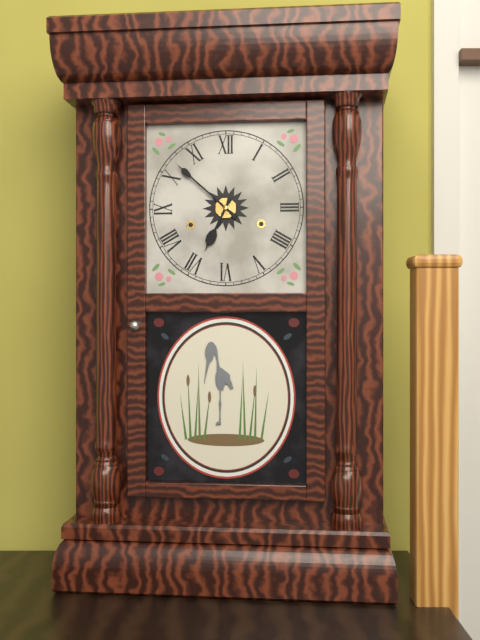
6:52
